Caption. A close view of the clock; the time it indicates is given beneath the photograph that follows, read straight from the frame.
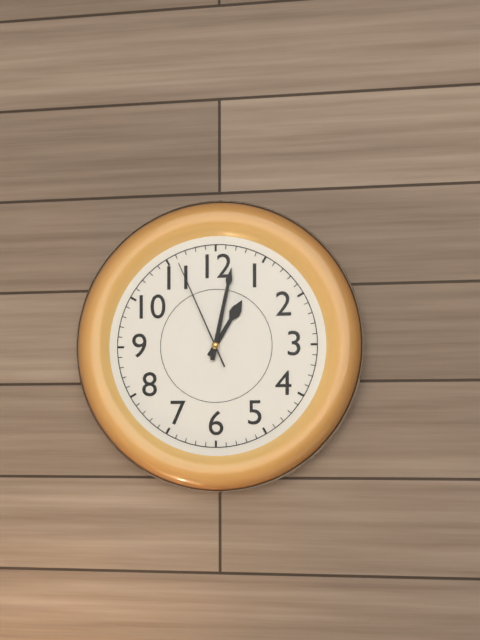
1:02:56
